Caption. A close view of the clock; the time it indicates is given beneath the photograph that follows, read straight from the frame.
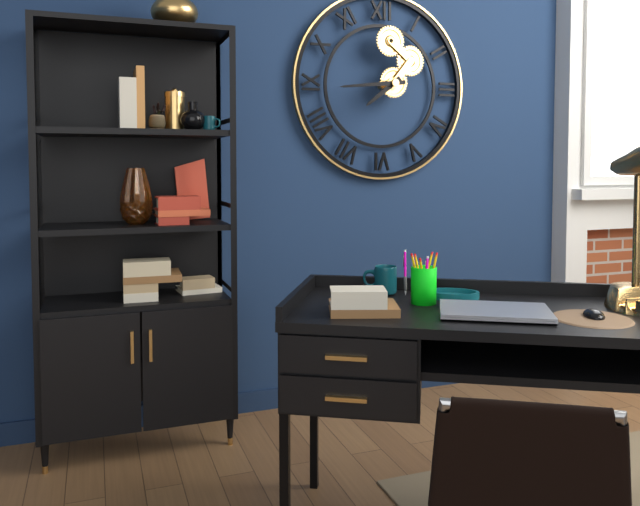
7:44
